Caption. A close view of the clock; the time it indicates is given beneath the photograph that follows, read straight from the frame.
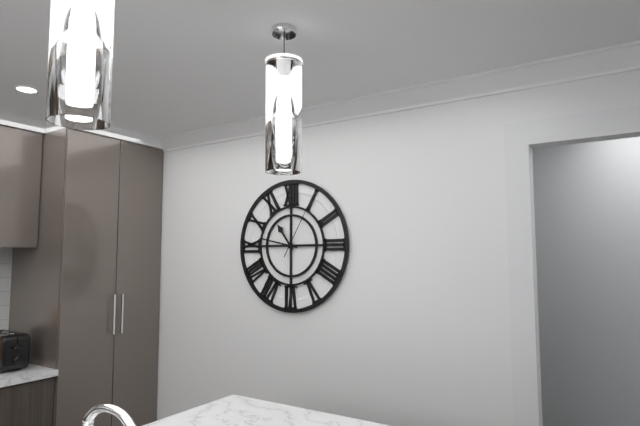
10:47:05
